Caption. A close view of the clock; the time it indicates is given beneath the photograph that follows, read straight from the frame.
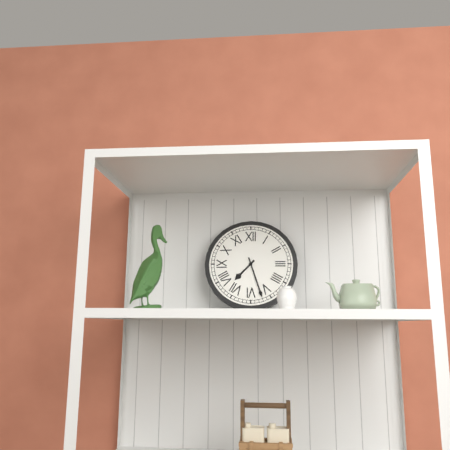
7:27
